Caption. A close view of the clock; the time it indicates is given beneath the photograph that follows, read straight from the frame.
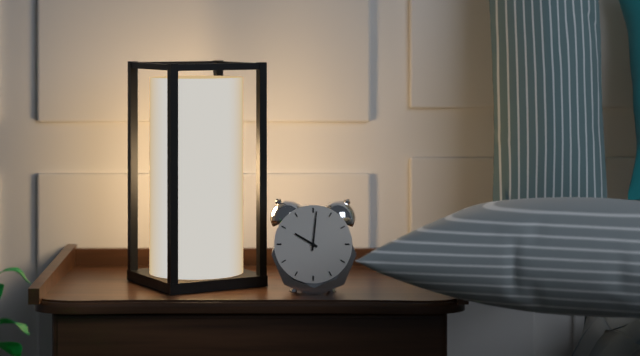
10:01
